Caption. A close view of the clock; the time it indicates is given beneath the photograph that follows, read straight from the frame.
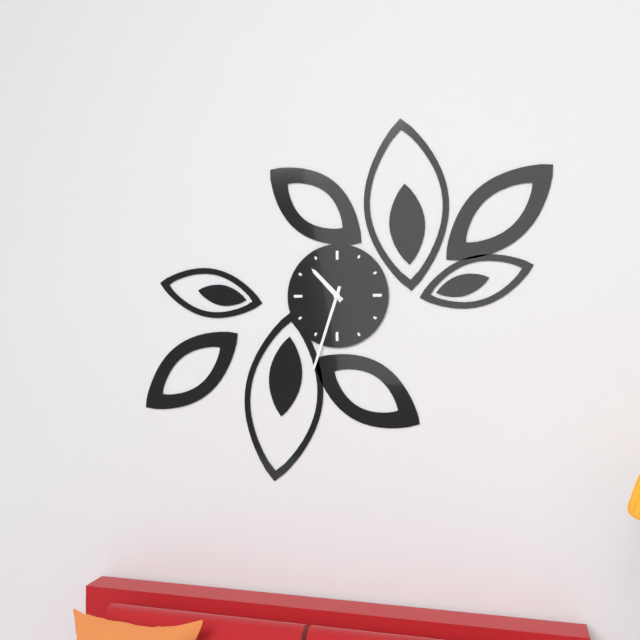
10:33
